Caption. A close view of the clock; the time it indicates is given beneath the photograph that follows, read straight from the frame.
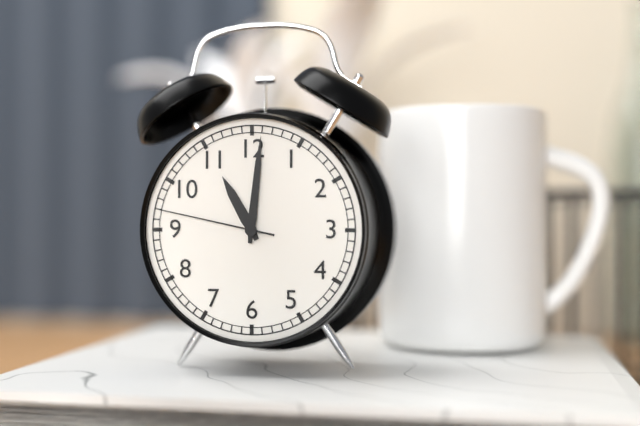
11:01:47
